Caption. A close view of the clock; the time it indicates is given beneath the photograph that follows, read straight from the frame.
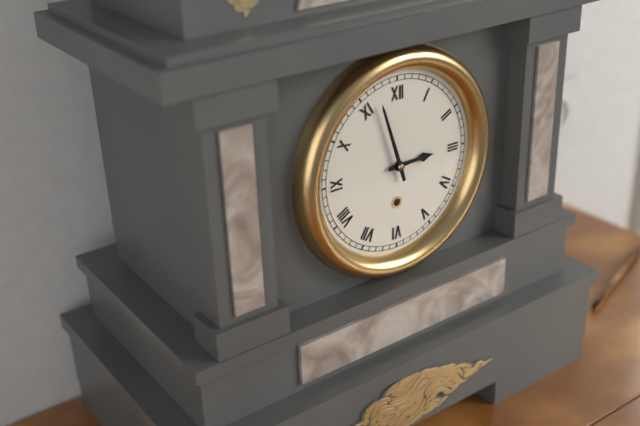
2:57
